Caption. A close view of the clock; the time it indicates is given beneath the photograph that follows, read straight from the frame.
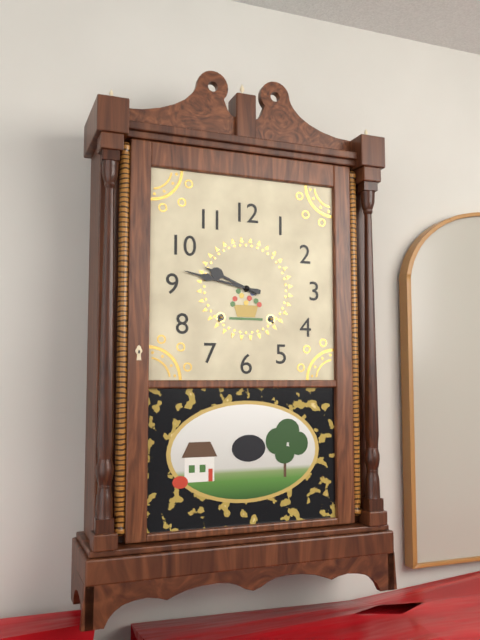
9:47
